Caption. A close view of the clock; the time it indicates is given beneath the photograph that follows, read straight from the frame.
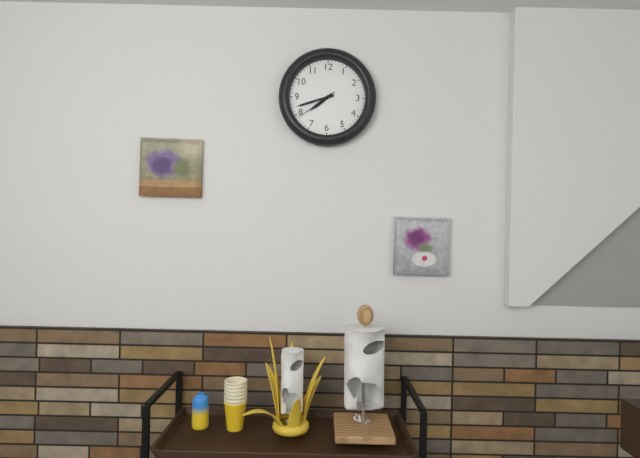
7:42
